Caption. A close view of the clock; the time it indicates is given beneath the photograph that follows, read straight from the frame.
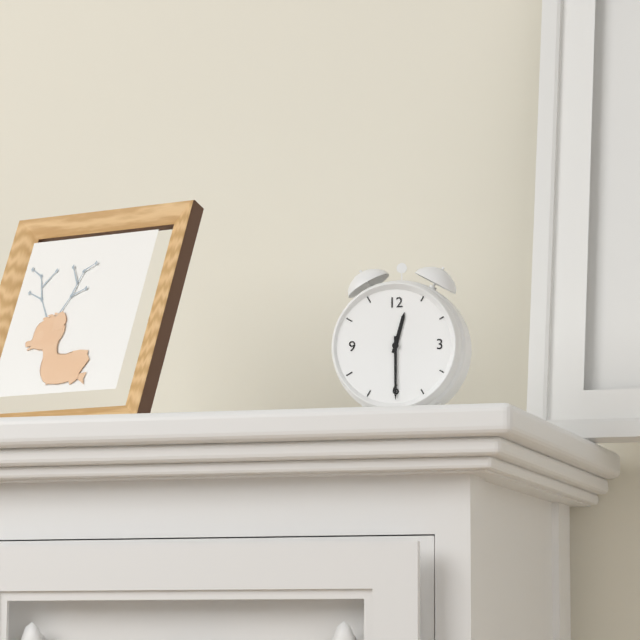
12:30
